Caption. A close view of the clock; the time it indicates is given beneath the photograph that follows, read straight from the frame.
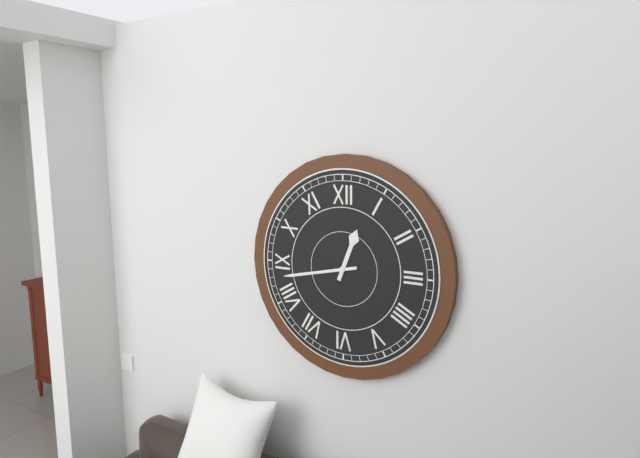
12:43
